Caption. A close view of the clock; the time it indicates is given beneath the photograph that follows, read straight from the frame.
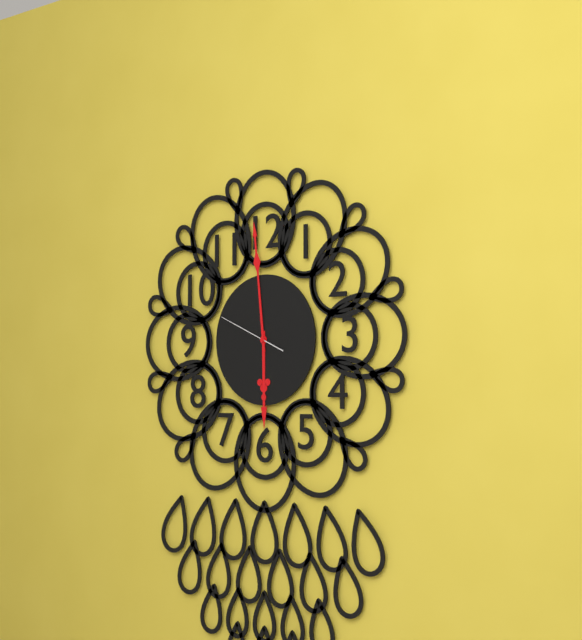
5:59:49
